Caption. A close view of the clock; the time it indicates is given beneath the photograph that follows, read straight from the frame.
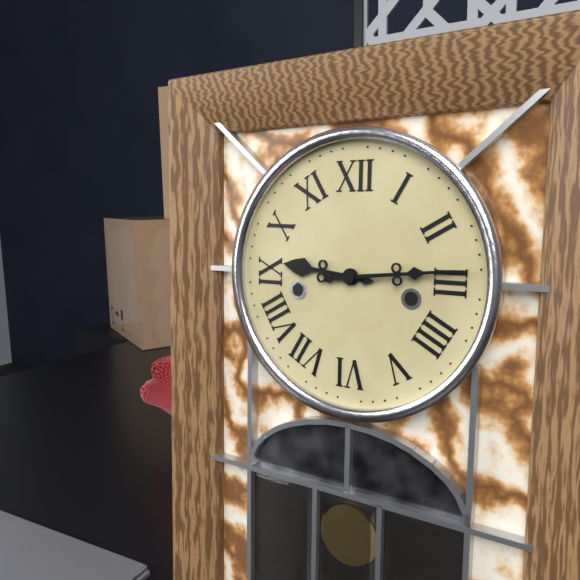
9:14
